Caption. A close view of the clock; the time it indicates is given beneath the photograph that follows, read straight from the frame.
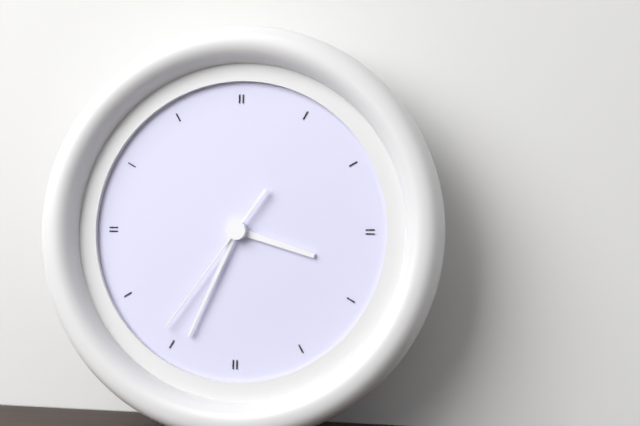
3:34:36
